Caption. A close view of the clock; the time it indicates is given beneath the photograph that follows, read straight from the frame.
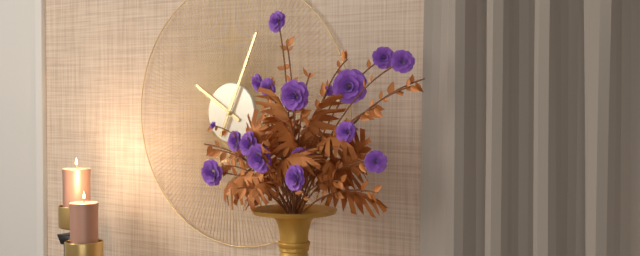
10:04
